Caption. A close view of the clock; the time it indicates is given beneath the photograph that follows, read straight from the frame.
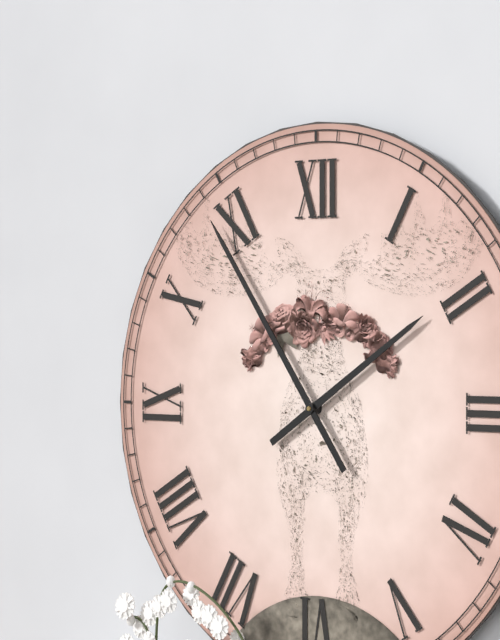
1:54
